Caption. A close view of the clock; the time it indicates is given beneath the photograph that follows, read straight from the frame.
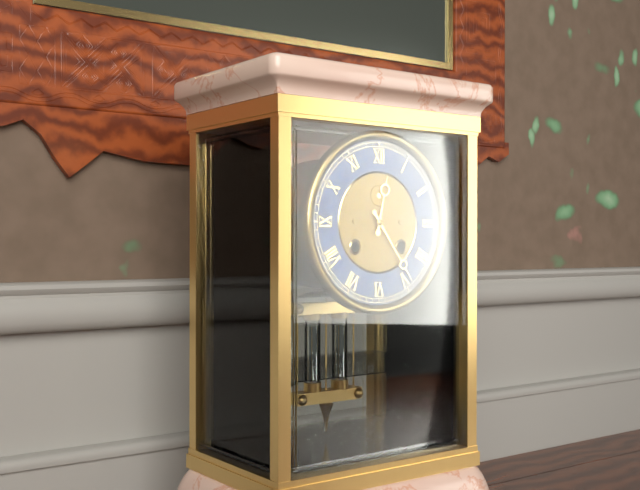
12:24
